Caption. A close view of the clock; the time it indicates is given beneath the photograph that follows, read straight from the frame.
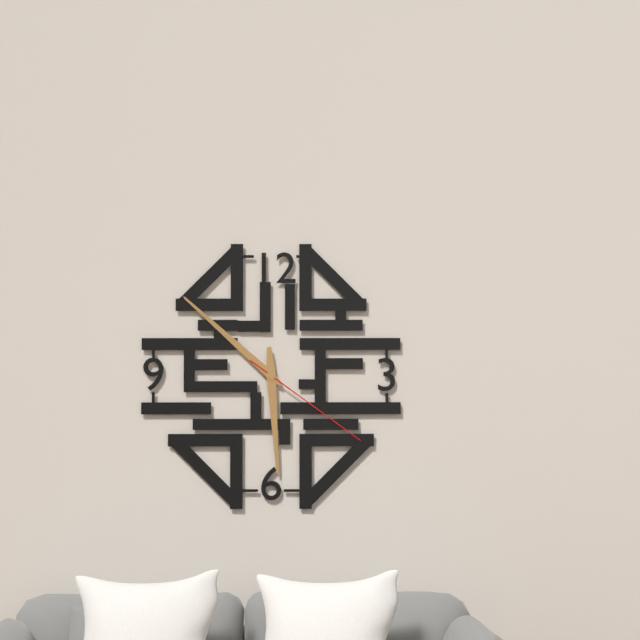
5:52:21
